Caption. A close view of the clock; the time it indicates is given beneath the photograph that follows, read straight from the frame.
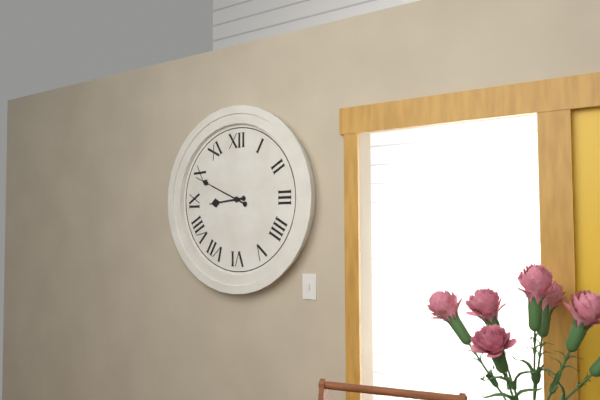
8:49
